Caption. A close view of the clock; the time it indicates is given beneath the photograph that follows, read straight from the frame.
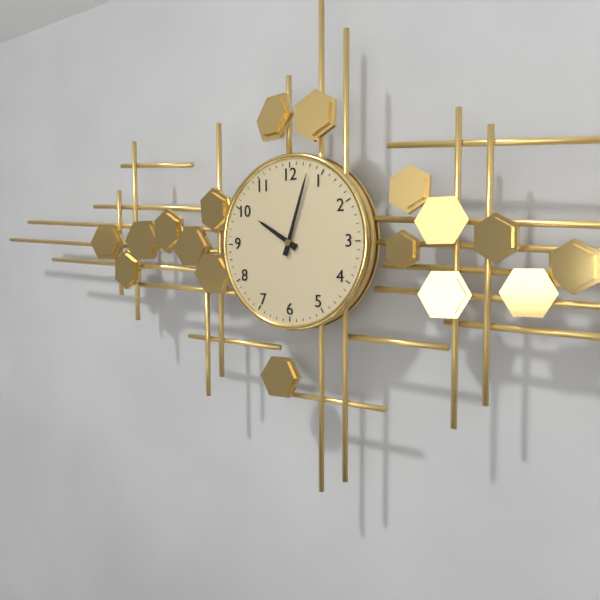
10:03
